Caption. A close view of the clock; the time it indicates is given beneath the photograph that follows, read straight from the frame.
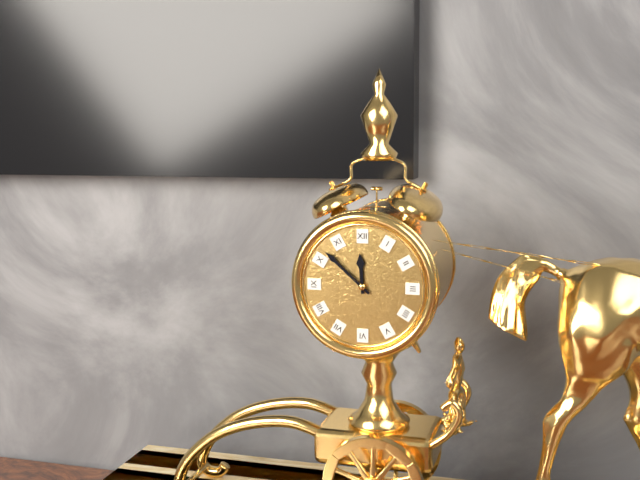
11:52
